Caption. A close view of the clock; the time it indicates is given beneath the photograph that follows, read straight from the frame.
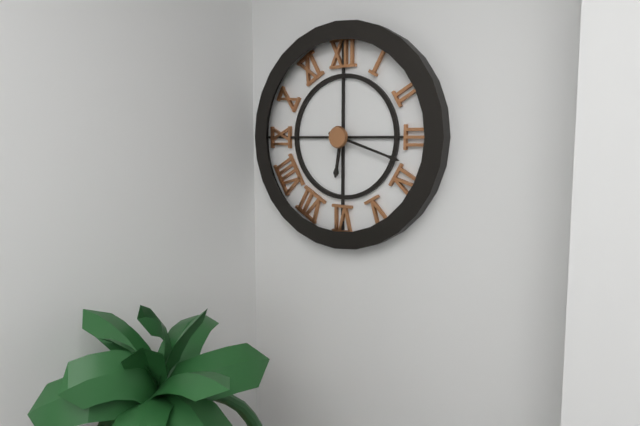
6:18
